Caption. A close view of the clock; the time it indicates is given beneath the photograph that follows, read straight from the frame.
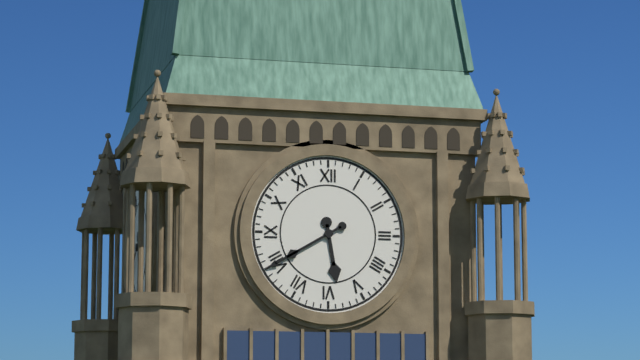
5:40
